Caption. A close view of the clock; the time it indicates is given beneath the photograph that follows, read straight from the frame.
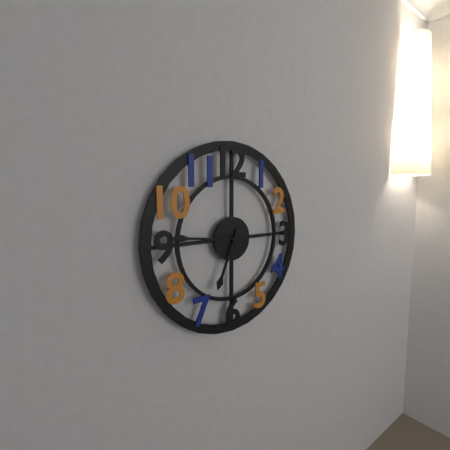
6:46
